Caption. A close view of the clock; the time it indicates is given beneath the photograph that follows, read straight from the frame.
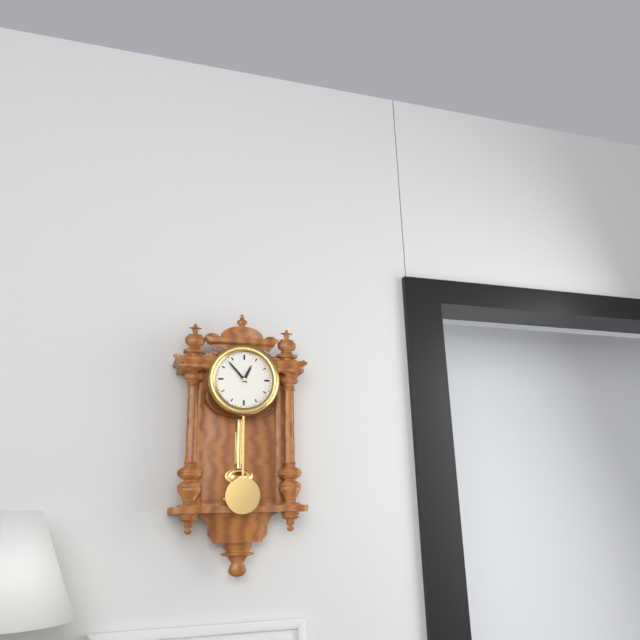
12:53
